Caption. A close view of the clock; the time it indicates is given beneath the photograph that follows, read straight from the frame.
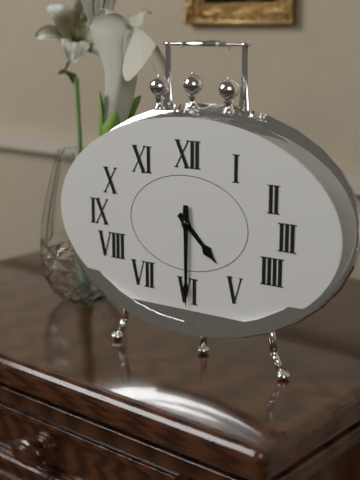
4:30
